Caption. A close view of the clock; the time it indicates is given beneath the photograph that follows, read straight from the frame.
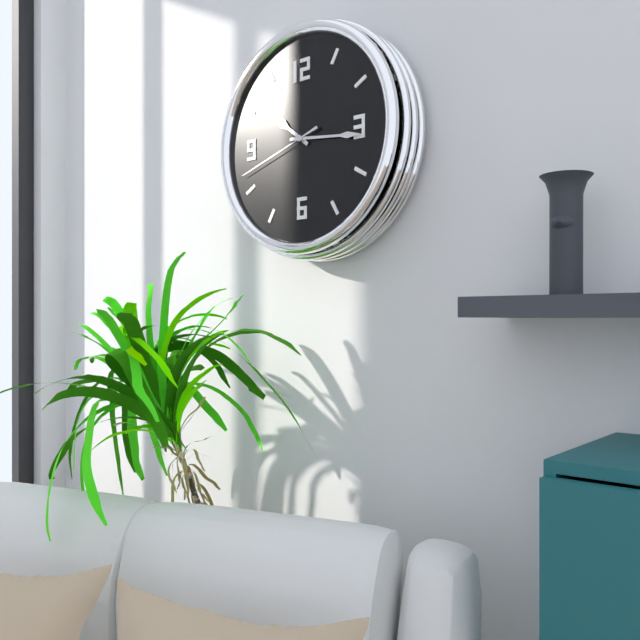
10:16:42
